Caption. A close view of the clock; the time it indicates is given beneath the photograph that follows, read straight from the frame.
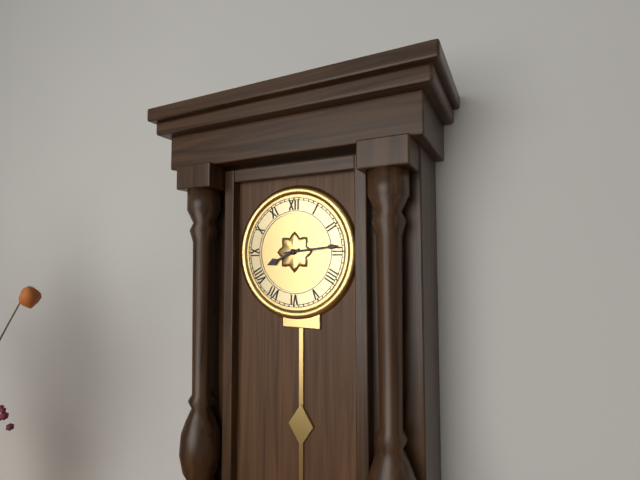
8:14
